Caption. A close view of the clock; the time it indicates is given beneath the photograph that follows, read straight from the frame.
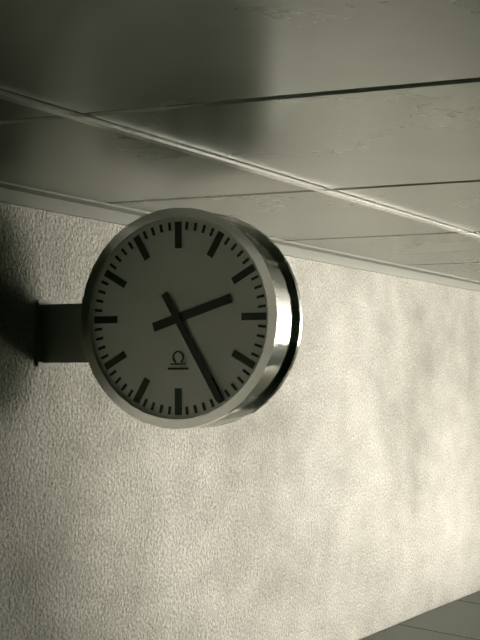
2:25
